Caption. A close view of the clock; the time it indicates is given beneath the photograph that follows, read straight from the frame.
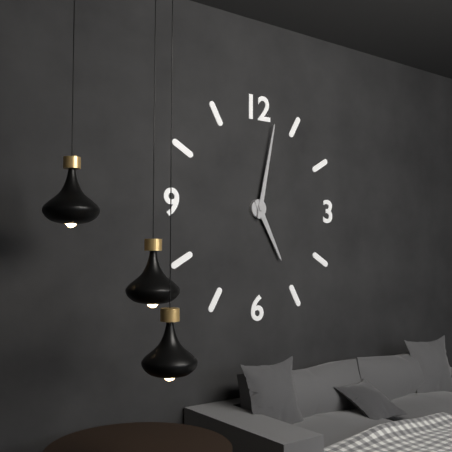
5:02
